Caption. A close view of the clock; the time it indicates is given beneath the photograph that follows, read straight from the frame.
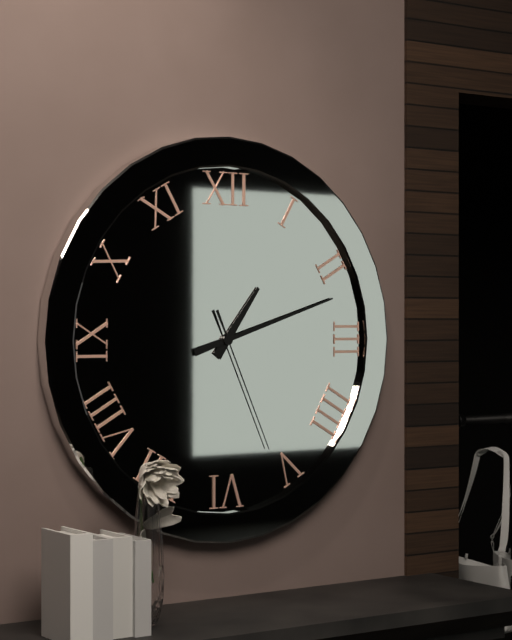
1:12:26
